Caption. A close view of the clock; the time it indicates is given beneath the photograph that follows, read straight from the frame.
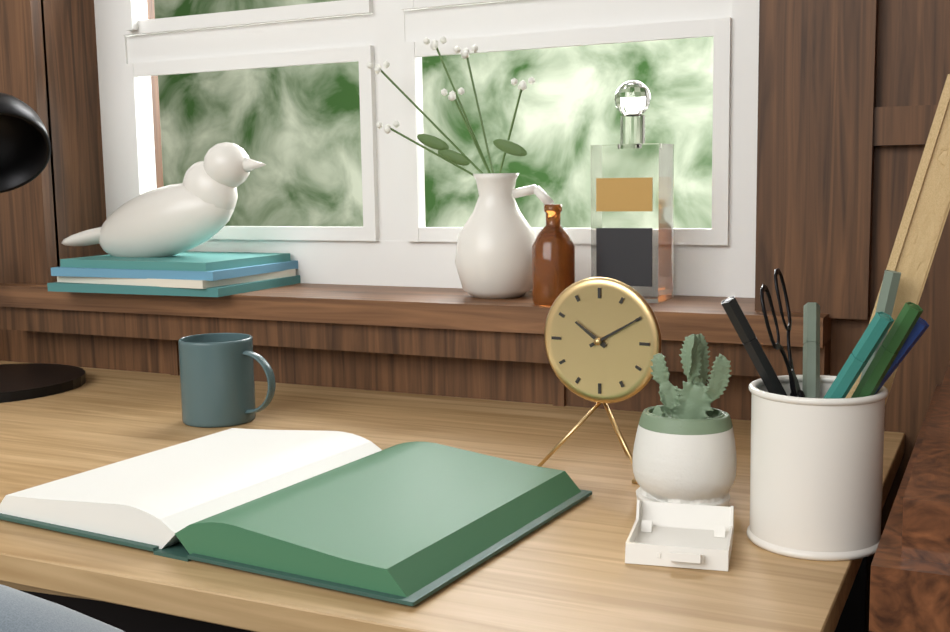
10:10
